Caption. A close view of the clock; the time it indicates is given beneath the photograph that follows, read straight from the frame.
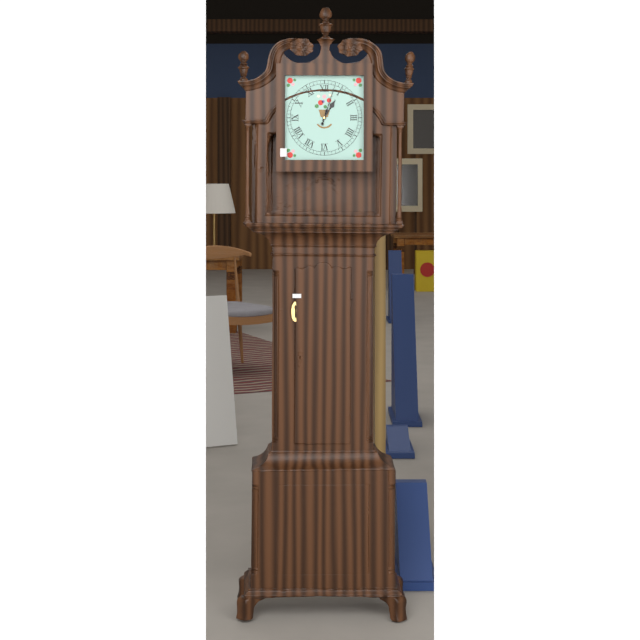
1:03
